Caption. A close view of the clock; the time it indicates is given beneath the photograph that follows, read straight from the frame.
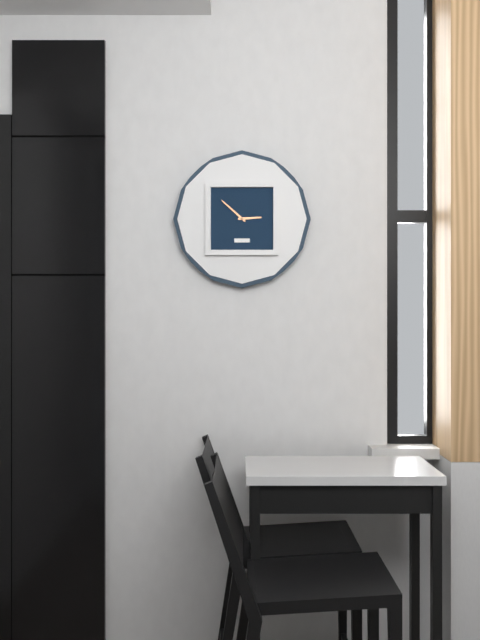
2:52
